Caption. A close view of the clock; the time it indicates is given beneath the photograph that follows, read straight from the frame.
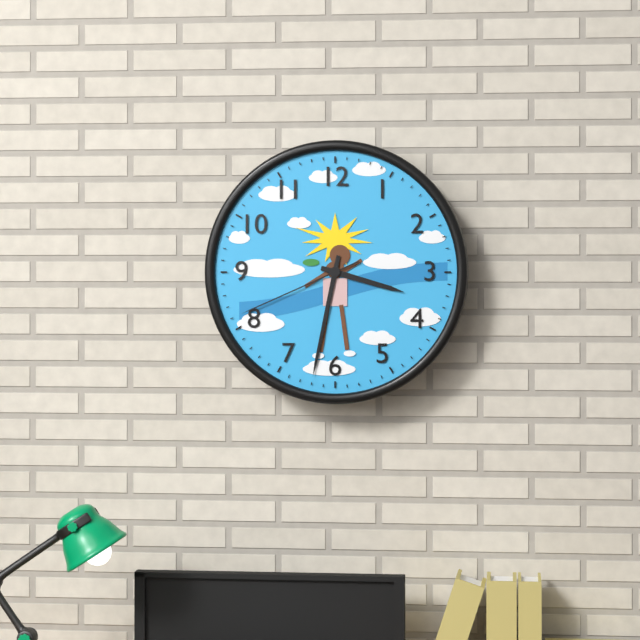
3:32:41
